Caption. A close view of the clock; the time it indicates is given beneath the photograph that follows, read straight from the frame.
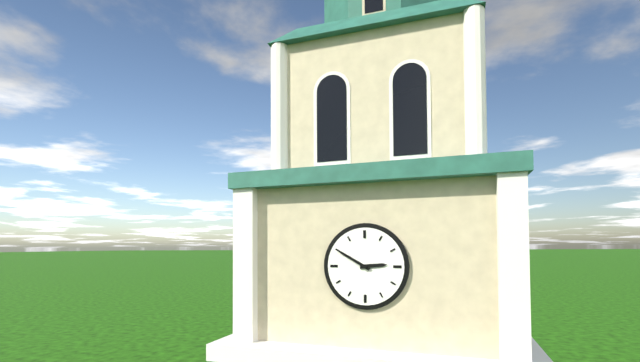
2:50
